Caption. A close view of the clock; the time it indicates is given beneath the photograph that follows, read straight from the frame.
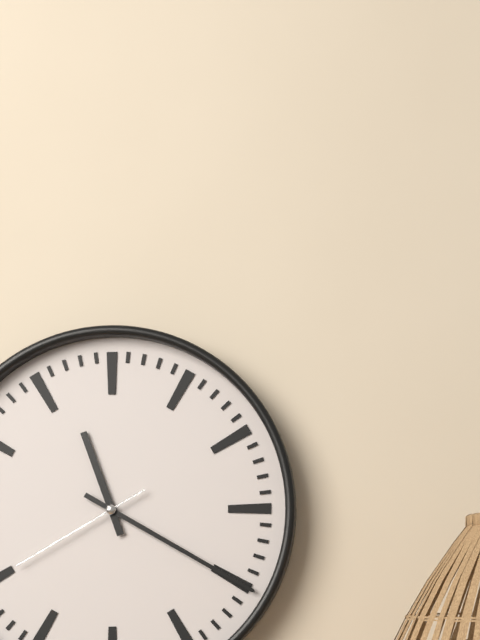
11:20:40
